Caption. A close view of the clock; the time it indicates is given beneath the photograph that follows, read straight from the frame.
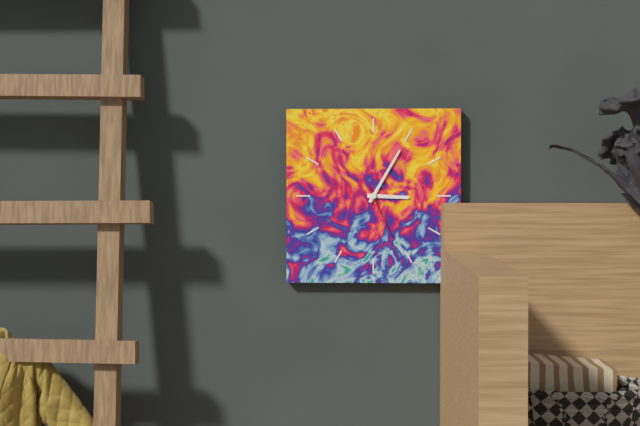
3:05:26
